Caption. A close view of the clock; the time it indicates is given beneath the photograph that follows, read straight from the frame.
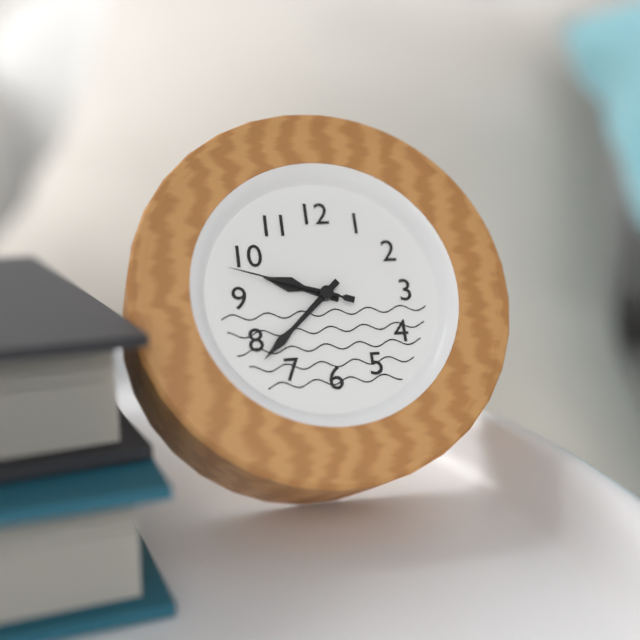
9:38:48
